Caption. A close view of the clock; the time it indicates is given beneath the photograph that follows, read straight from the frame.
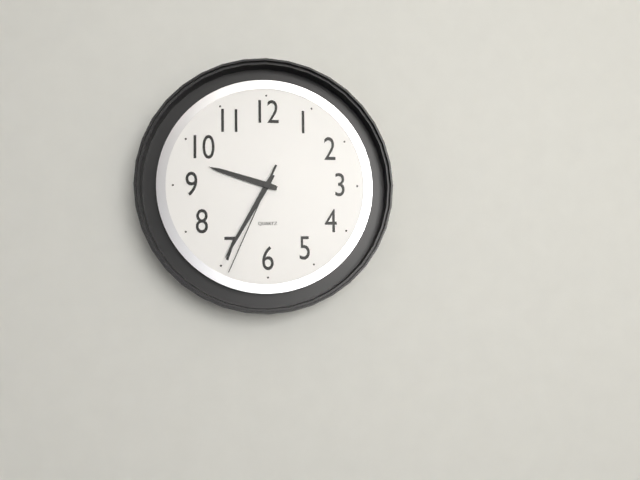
9:35:34
